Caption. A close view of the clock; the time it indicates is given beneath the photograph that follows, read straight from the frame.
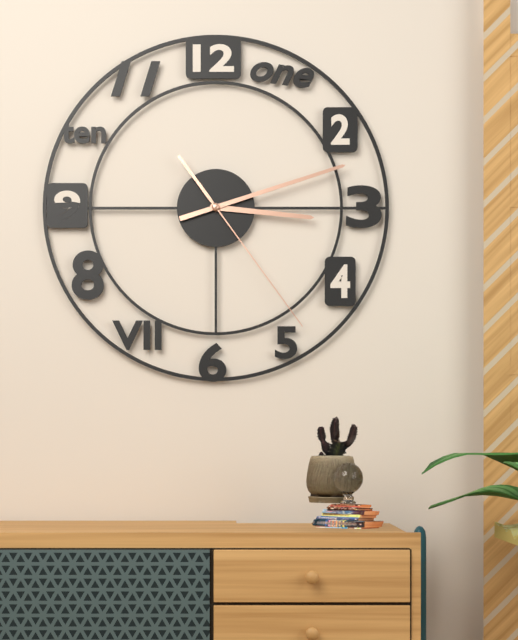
3:12:24
